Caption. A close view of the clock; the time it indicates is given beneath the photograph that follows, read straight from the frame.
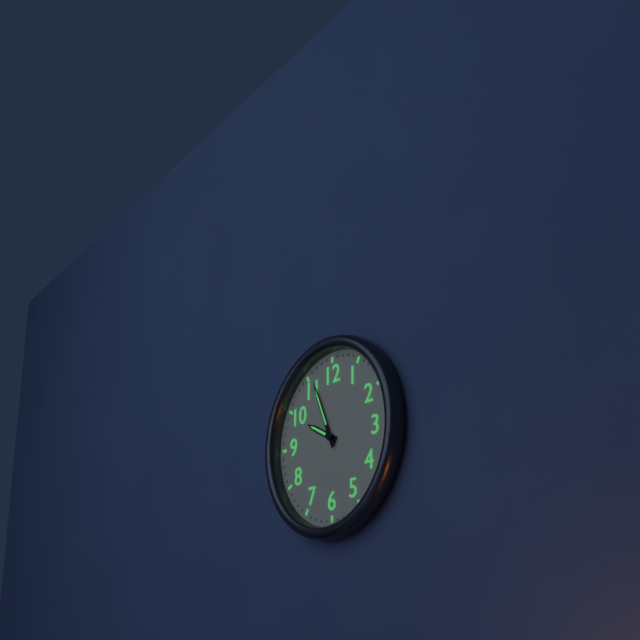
9:56
